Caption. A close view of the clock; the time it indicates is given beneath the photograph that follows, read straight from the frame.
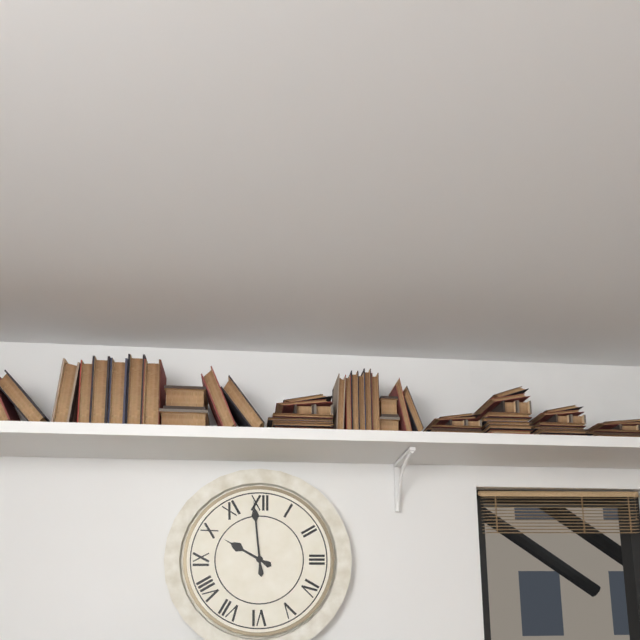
9:59
